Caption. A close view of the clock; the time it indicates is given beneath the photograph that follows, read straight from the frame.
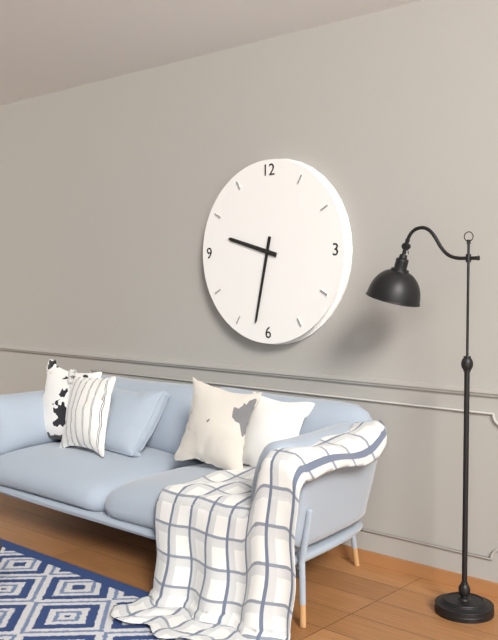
9:32
